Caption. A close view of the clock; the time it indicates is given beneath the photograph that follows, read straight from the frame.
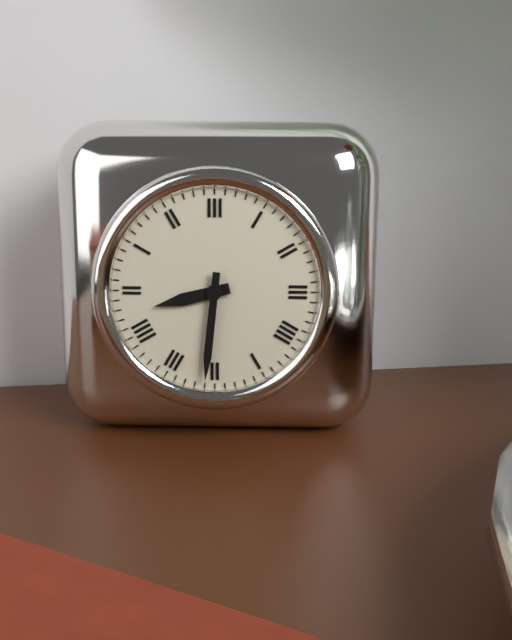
8:31
